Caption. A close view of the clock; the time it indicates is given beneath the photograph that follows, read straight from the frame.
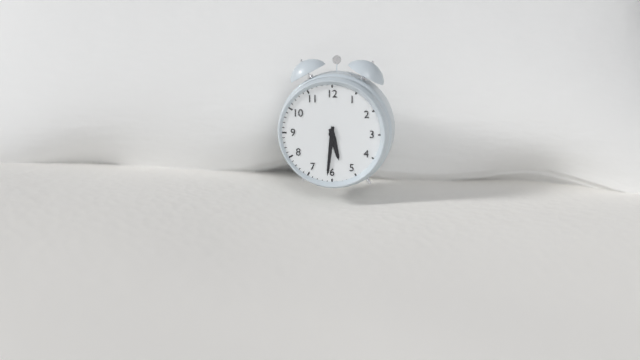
5:31
